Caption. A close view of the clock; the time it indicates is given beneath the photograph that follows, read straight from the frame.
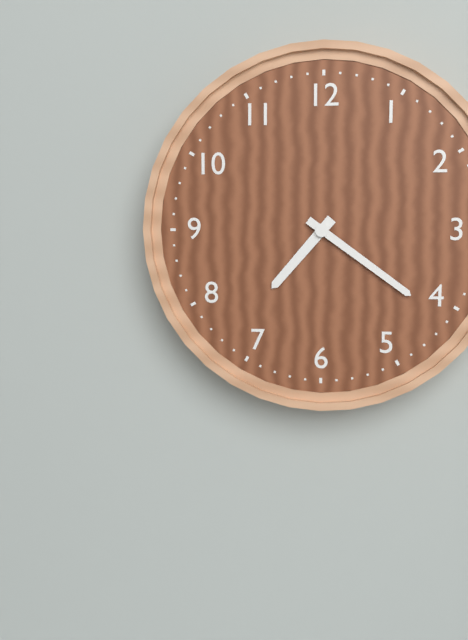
7:21
